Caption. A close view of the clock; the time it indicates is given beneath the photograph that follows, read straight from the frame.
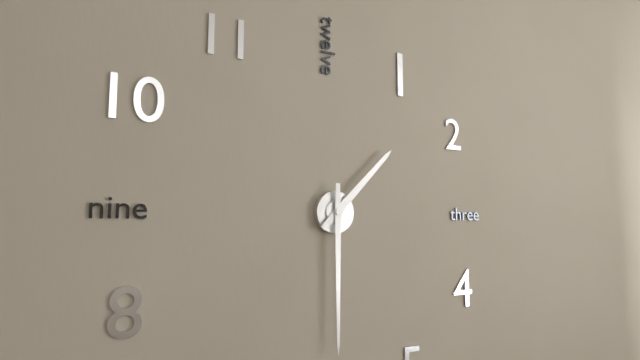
1:30
